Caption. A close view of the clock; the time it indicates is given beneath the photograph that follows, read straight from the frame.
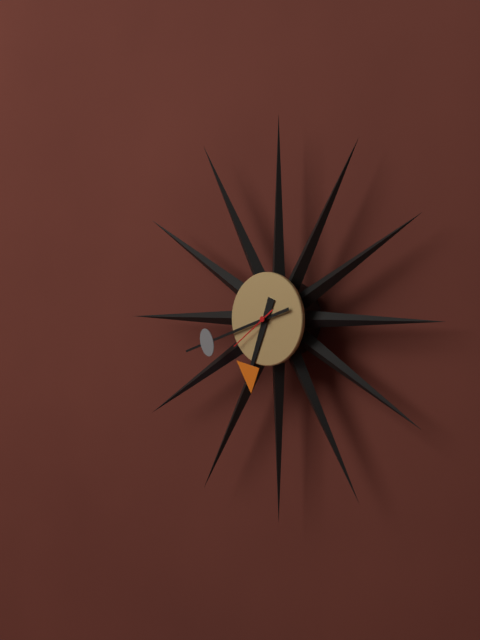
6:42:39
